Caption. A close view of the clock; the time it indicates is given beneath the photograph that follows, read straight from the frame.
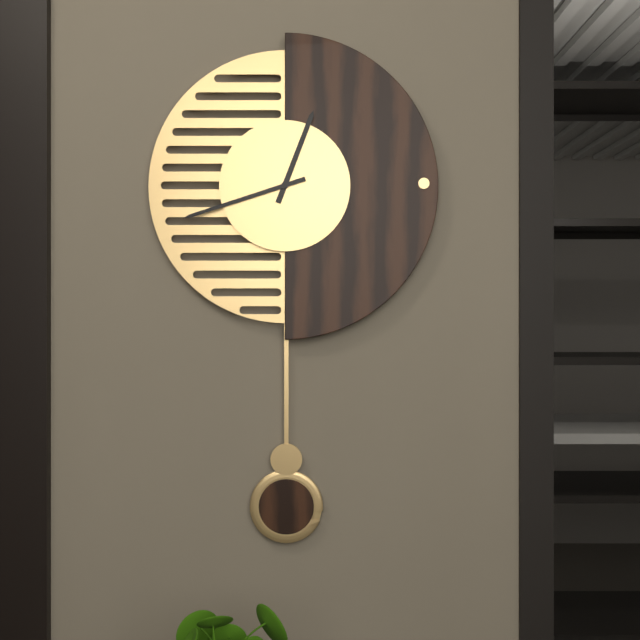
12:42
